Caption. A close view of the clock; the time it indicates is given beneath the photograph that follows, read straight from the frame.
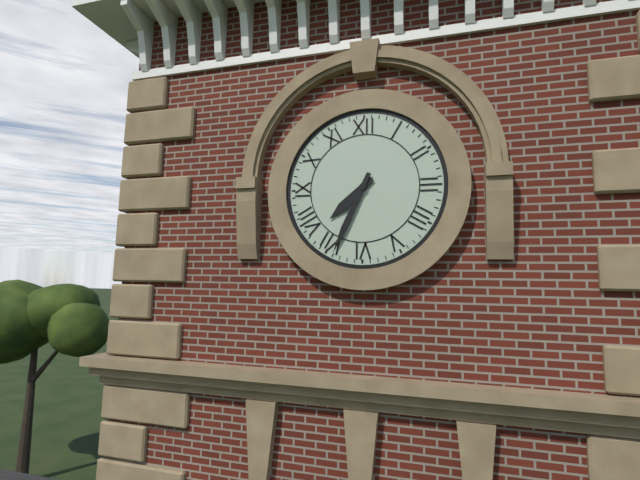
7:34
